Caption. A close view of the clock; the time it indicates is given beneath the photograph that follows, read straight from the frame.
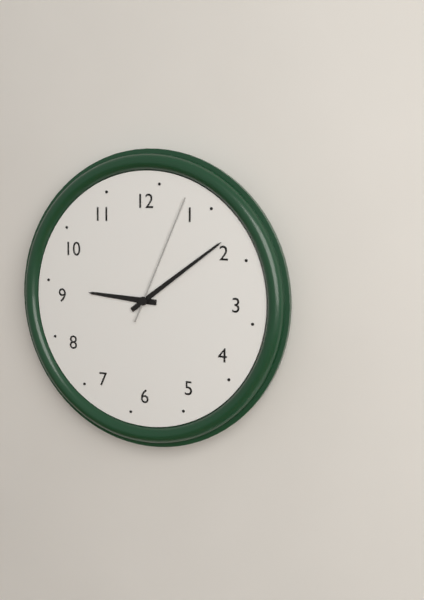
9:09:04
